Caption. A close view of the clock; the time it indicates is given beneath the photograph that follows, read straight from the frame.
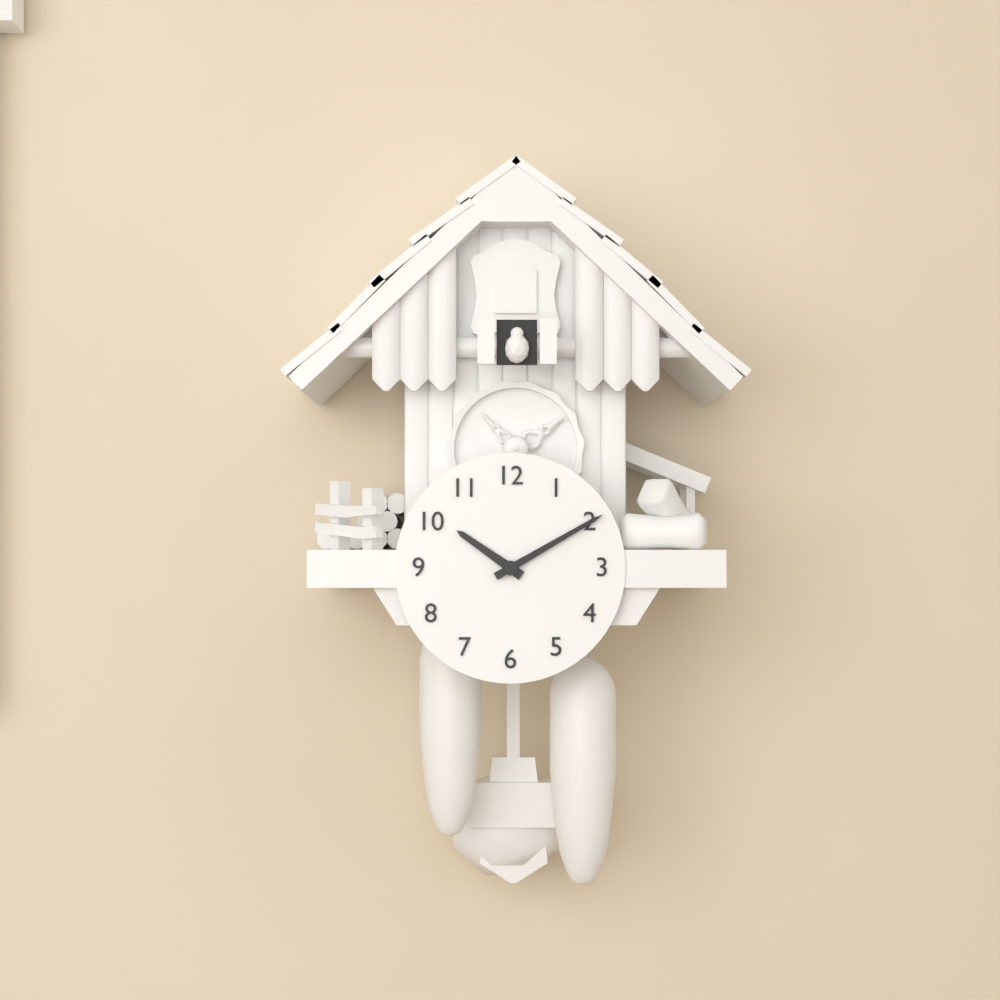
10:10
